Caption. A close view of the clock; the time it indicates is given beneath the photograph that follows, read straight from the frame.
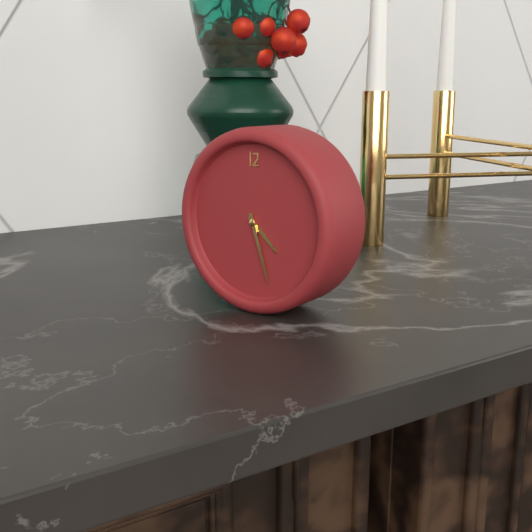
4:27
